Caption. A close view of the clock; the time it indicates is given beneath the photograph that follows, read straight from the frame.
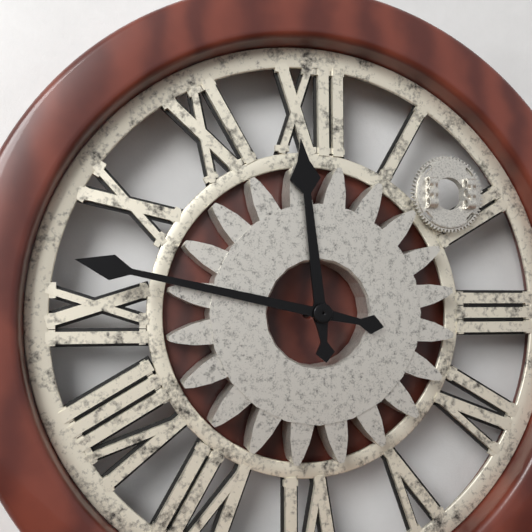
11:47
